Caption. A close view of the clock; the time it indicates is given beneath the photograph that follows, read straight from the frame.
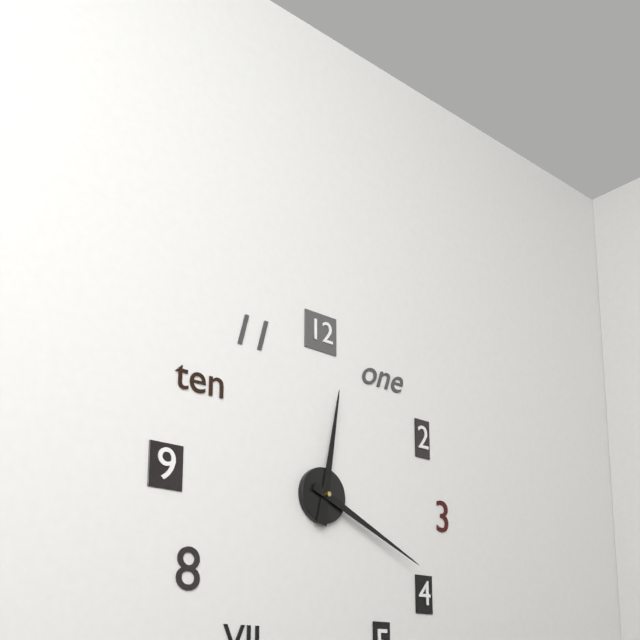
12:19
